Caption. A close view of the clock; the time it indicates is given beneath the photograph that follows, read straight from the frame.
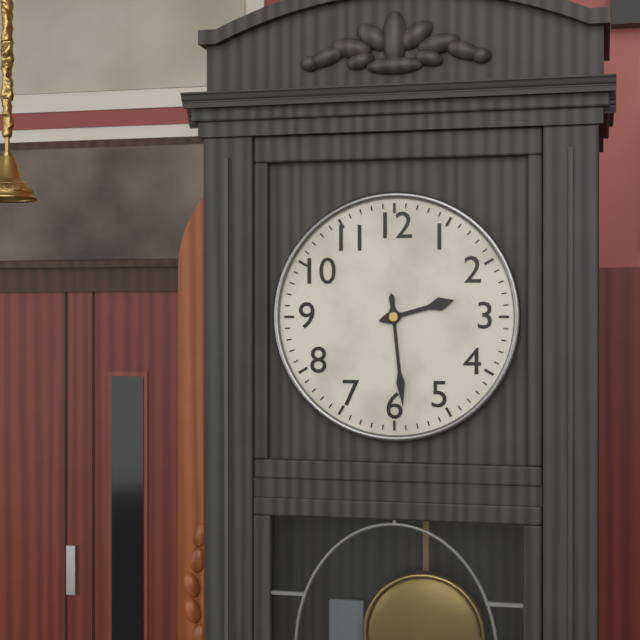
2:29
